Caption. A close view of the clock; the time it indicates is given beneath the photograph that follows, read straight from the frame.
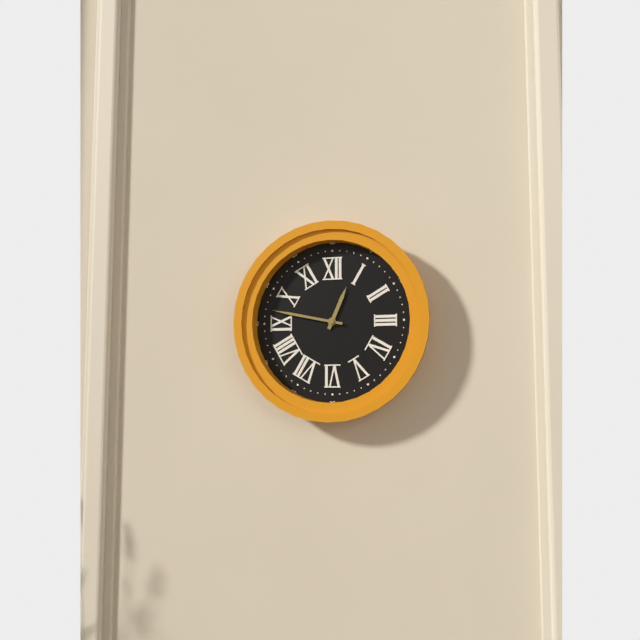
12:47
